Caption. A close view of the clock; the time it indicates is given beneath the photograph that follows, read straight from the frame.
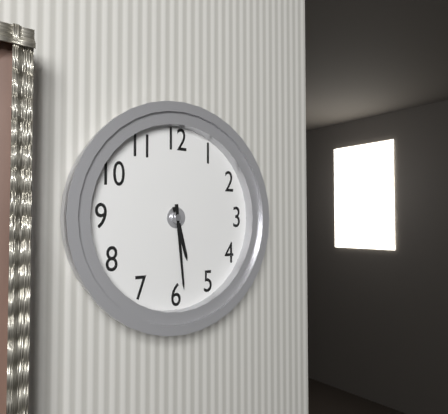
5:29
